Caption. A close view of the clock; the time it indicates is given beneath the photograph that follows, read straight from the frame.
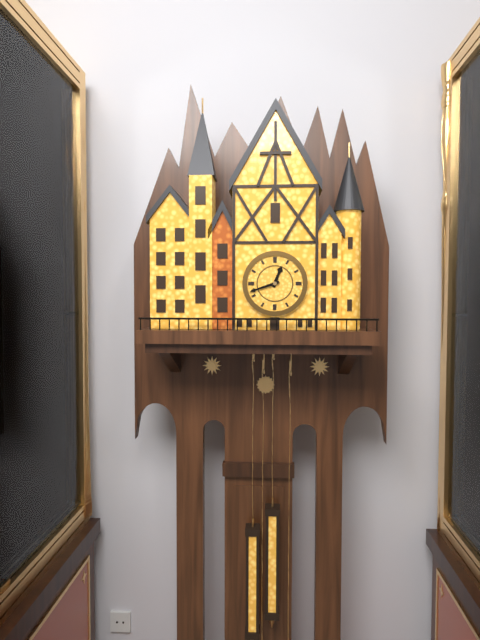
12:42
